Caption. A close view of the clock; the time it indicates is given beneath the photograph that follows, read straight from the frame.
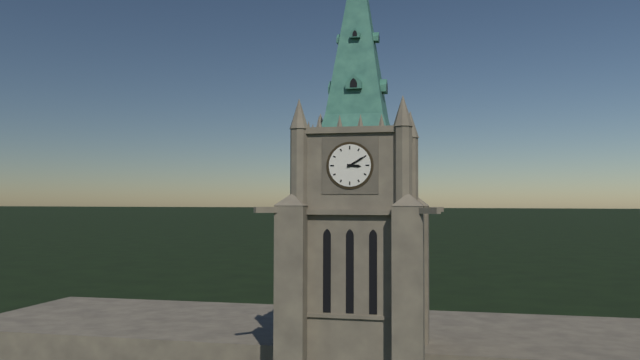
3:10
